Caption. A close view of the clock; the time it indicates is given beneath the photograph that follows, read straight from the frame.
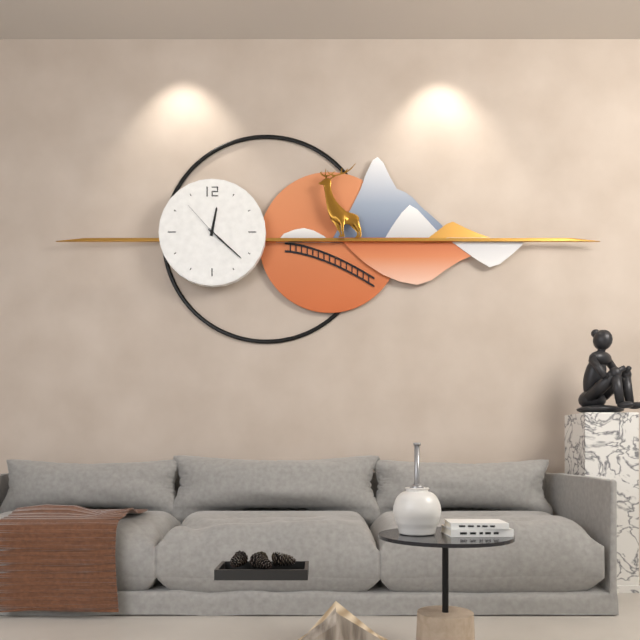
12:22
